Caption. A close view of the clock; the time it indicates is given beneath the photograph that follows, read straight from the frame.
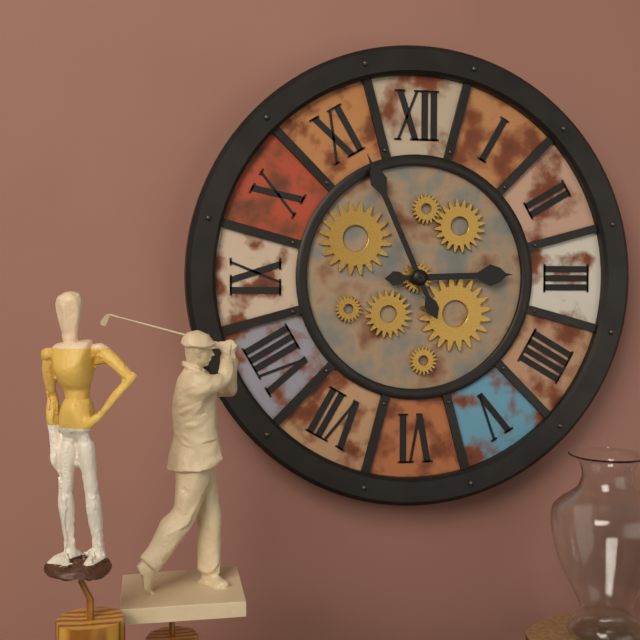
2:56
